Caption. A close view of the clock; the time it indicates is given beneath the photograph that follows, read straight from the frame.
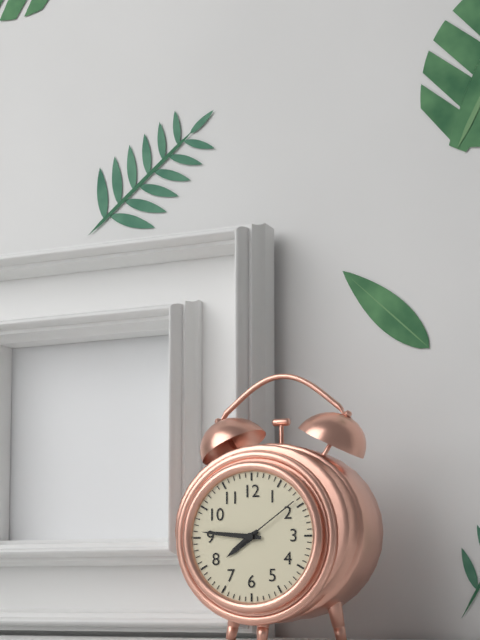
7:46:09
